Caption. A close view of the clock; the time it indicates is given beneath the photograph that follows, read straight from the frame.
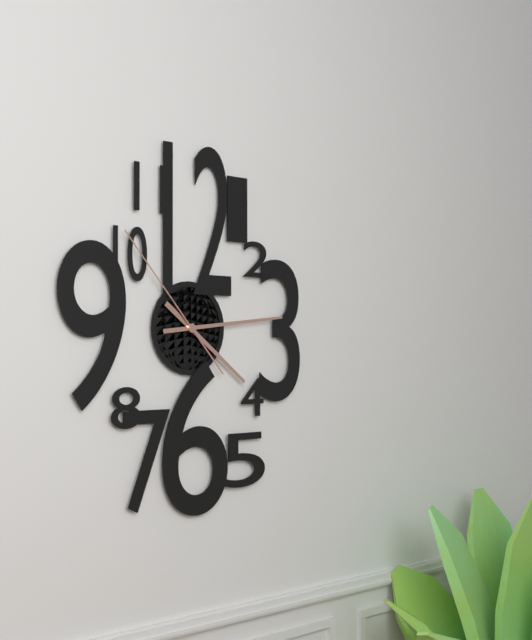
4:14:53
